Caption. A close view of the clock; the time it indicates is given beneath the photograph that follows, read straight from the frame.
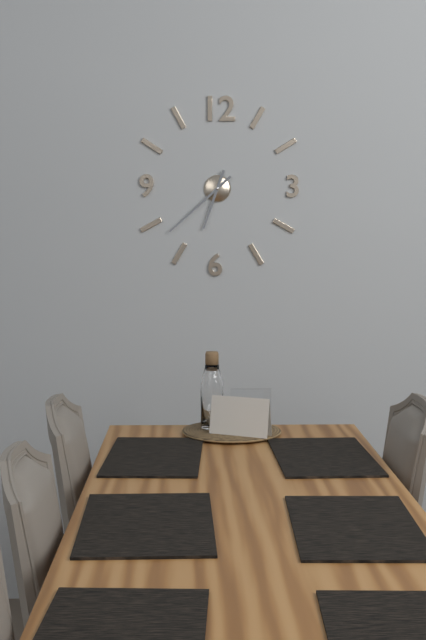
6:38
